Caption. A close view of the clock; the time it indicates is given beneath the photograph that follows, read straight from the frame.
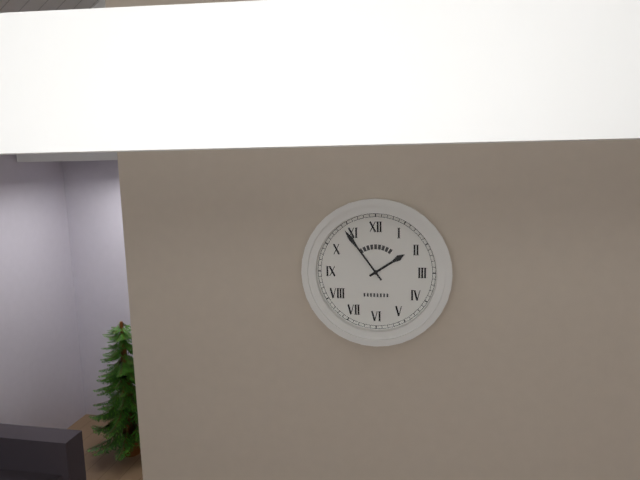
1:54
